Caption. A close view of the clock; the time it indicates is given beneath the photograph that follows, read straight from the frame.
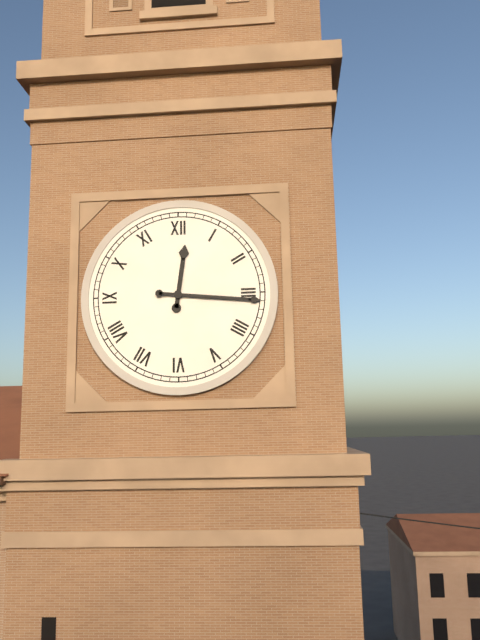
12:16
